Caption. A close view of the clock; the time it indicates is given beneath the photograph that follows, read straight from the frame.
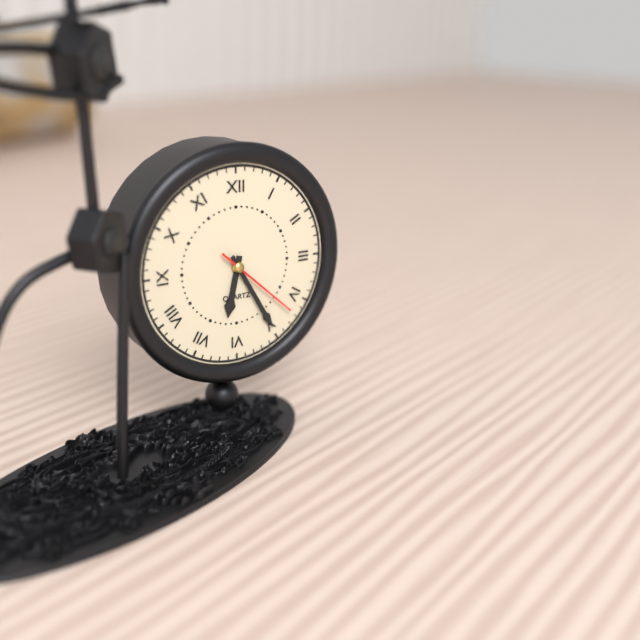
6:25:22
